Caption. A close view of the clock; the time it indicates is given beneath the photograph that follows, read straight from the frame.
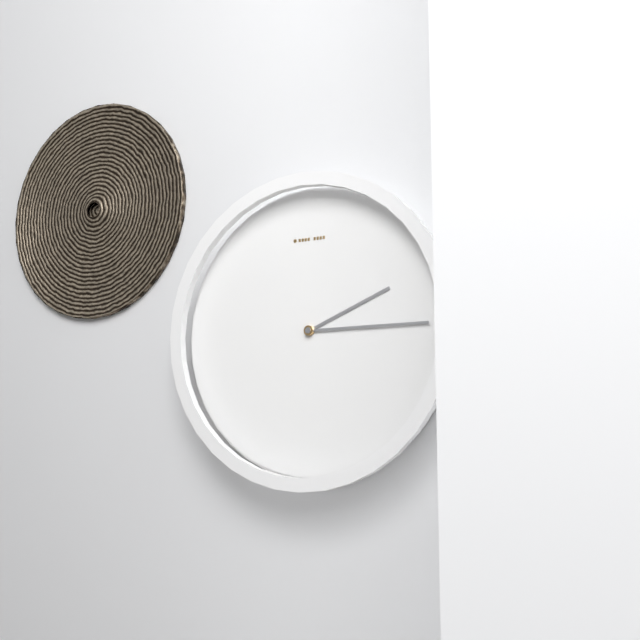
2:15
